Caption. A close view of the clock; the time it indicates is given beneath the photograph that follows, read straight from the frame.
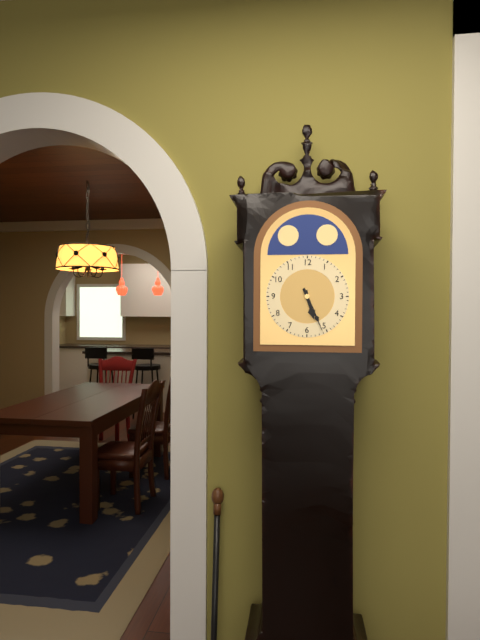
5:26
